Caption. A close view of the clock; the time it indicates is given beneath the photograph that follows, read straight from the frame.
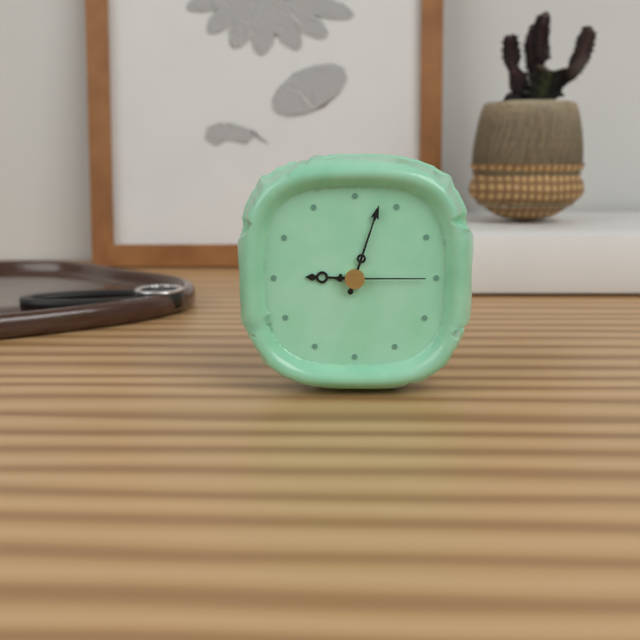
9:03:15
